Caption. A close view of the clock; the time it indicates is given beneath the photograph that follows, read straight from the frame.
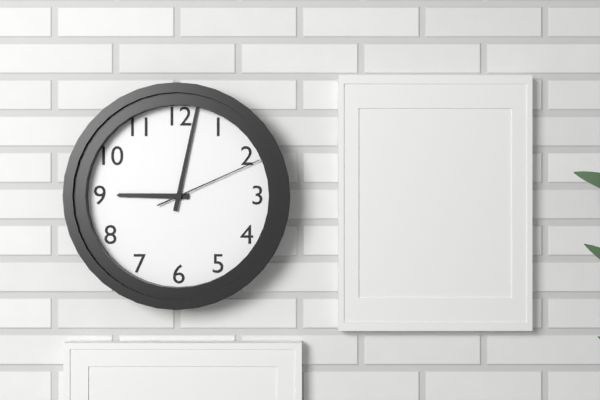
9:02:11
